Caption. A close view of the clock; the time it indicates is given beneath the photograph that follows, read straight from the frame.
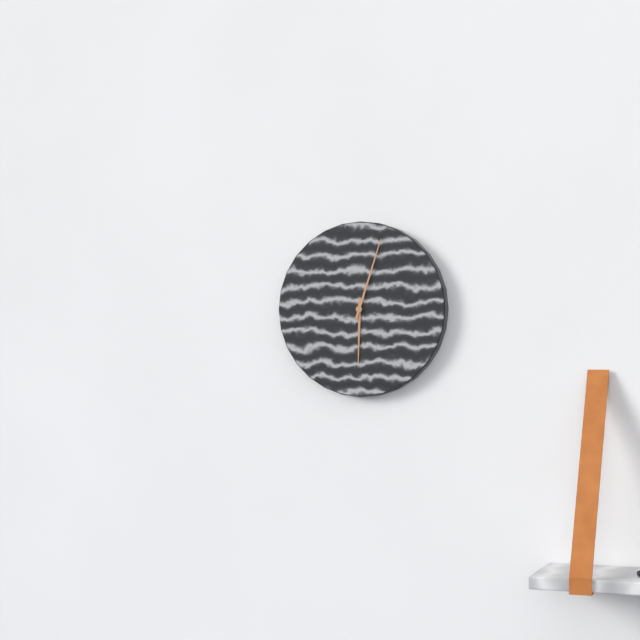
6:03
